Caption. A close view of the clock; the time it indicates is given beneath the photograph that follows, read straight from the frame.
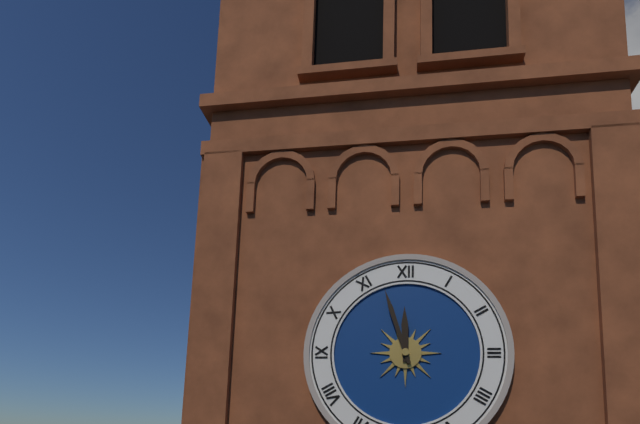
11:57
